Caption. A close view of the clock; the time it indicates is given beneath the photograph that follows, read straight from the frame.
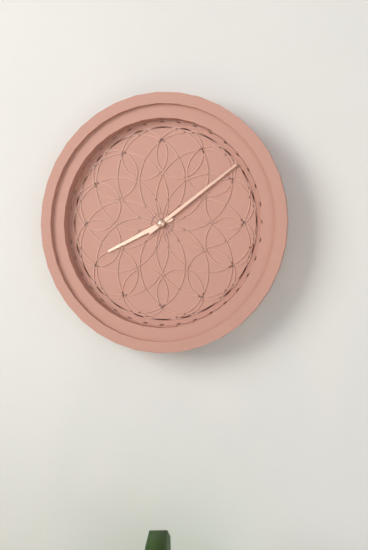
8:09
